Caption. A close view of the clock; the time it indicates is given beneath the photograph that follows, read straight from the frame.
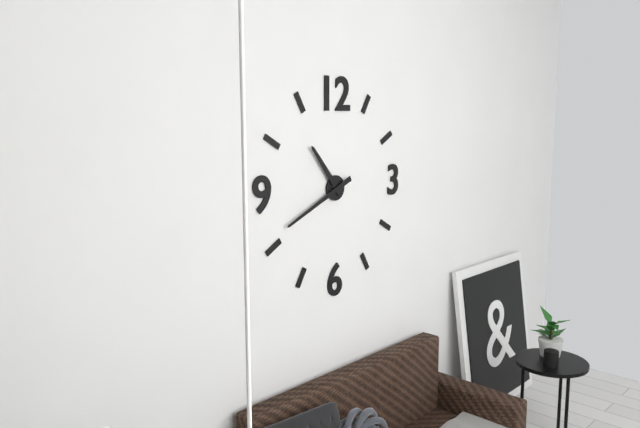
10:41
